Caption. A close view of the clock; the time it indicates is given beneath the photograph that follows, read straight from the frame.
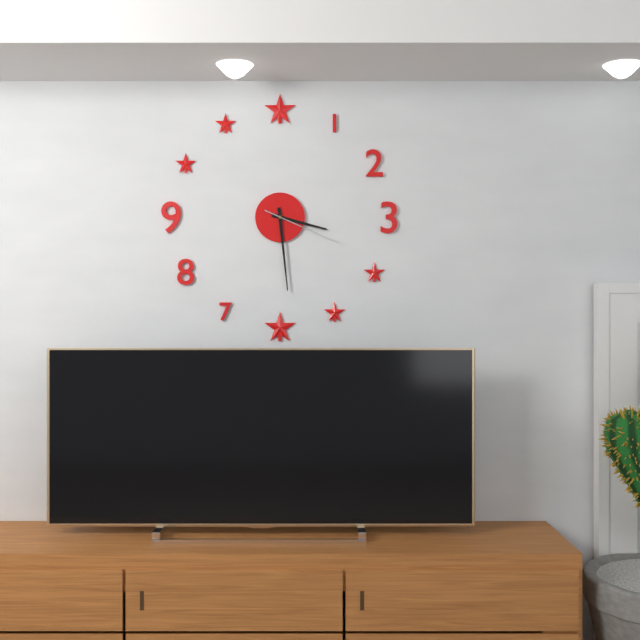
3:29:19
